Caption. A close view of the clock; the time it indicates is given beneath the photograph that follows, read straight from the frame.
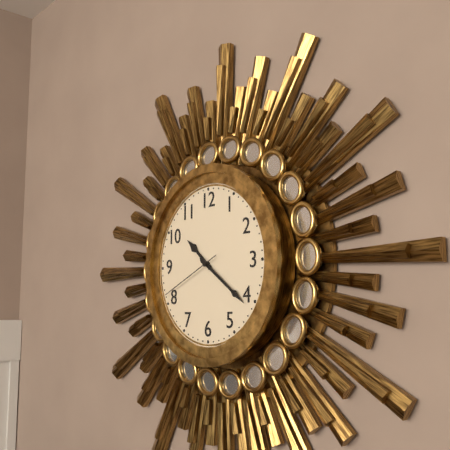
10:21:41
